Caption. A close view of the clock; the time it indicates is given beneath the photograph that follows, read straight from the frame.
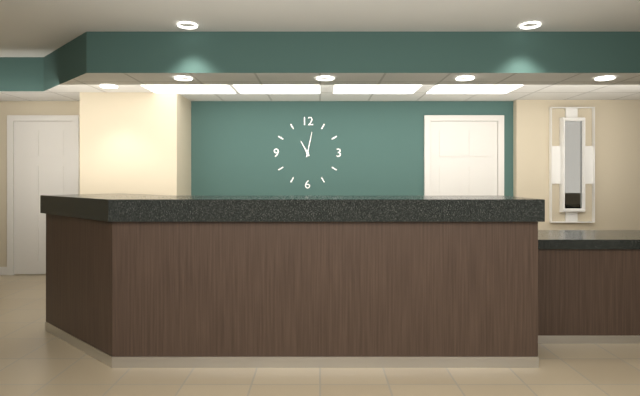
11:02
